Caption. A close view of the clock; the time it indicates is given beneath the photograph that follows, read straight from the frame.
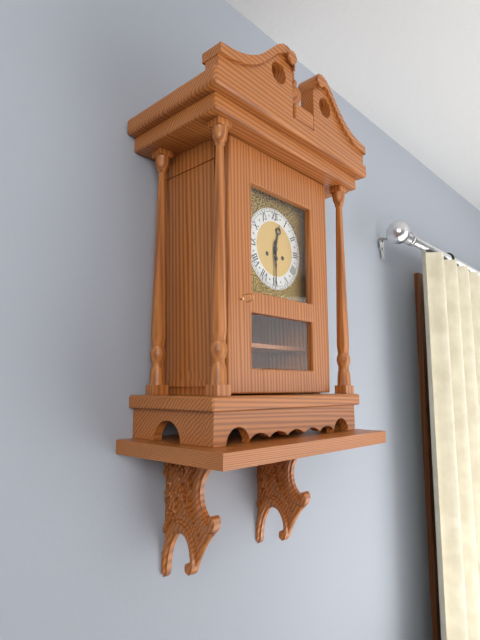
12:30
